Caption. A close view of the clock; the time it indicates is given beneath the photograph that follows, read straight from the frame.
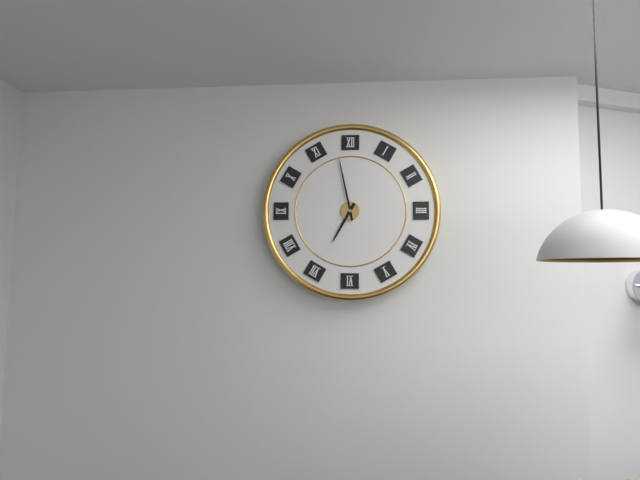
6:58
